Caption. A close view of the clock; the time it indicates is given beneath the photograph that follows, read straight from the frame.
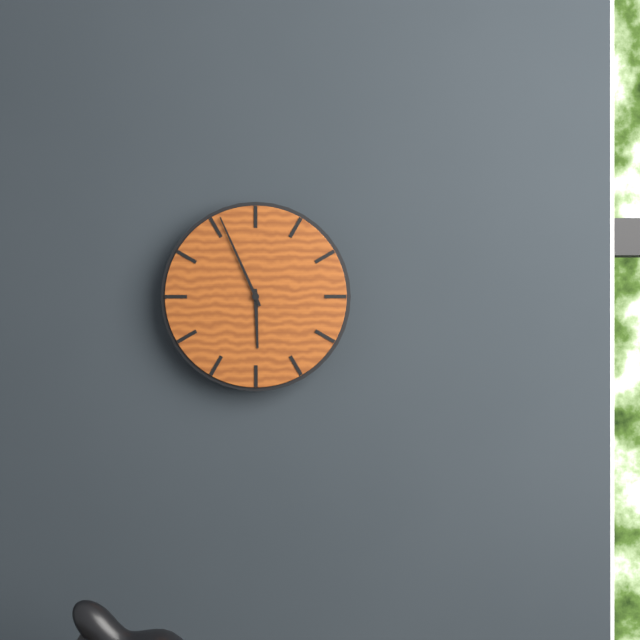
5:56
